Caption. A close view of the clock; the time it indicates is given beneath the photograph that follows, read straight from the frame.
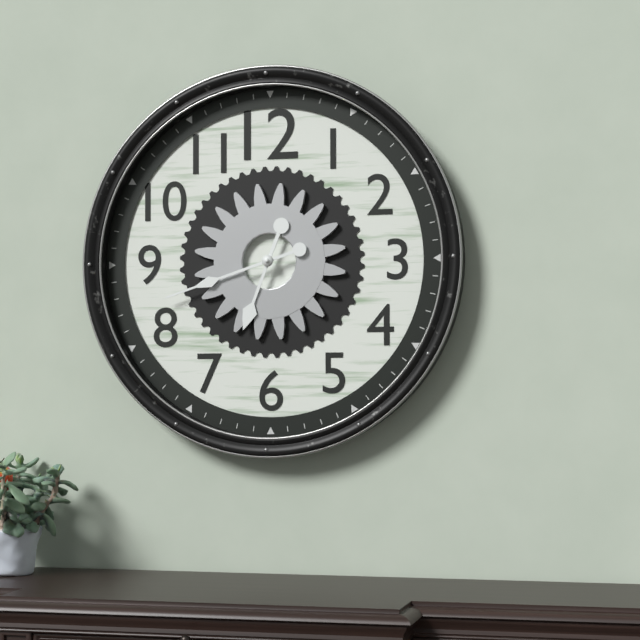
6:42
